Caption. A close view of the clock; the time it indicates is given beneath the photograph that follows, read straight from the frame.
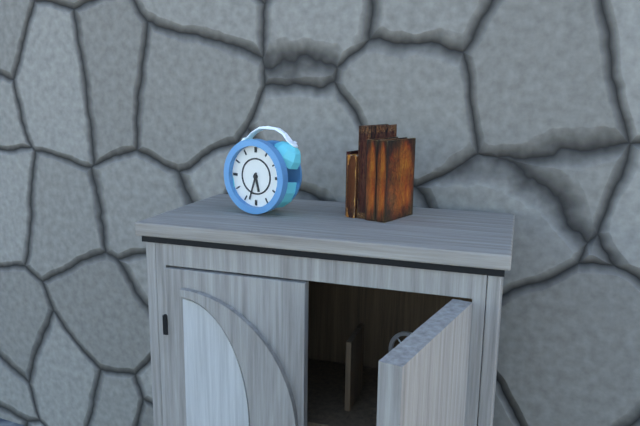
5:33
